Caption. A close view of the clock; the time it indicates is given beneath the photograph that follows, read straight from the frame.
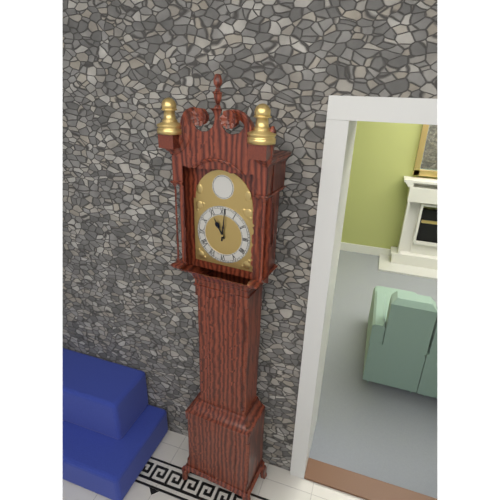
11:01
